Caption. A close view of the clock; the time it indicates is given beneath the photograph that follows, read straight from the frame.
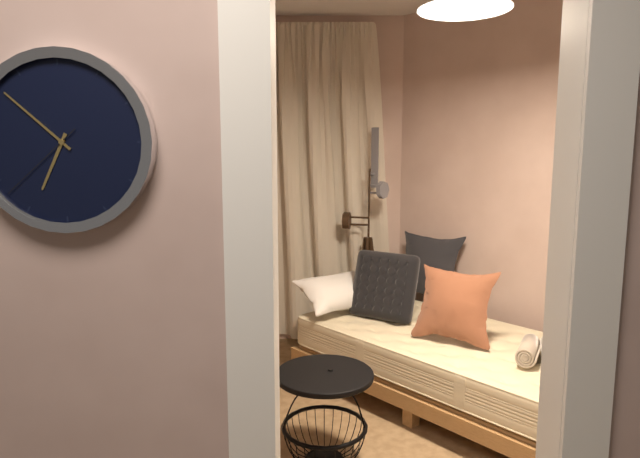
6:52:38
